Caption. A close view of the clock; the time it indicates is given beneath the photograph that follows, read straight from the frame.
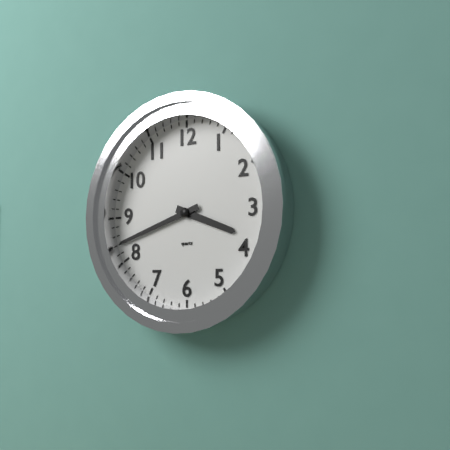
3:42
